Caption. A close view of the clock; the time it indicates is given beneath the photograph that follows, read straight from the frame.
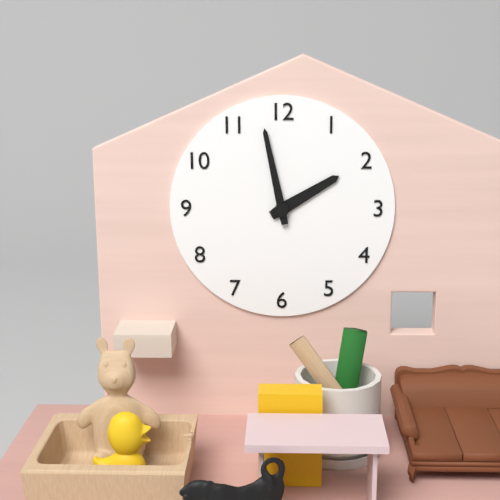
1:58
